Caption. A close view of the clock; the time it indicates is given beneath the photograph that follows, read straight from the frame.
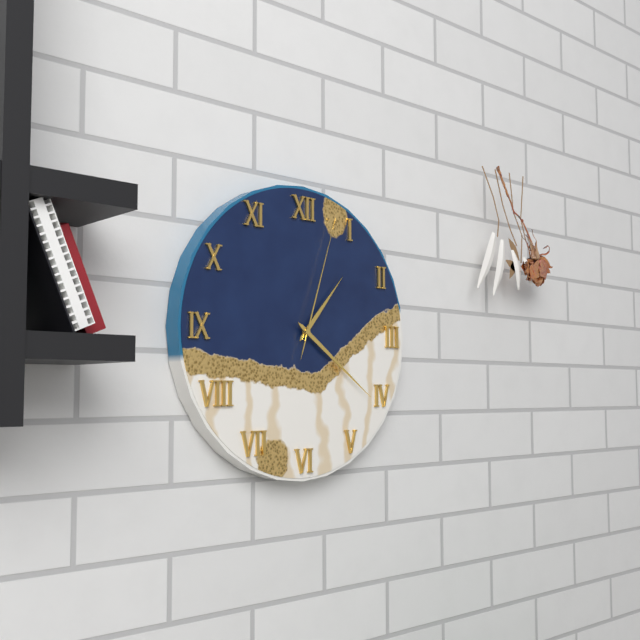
1:21:03
